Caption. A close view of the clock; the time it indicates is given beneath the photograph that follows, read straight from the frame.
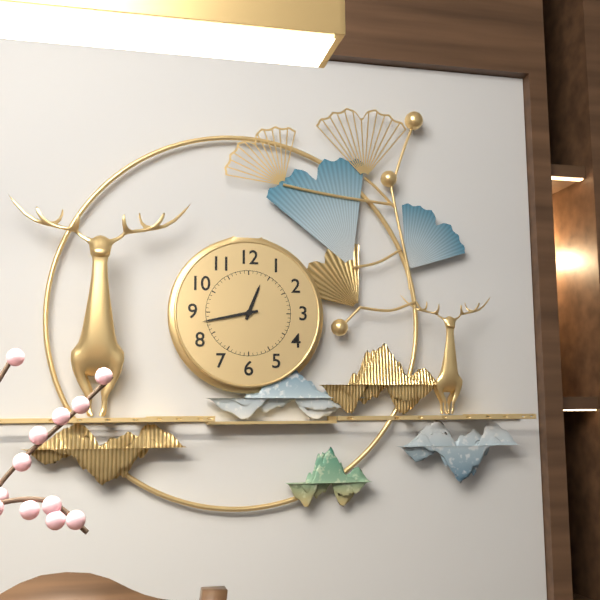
12:43
